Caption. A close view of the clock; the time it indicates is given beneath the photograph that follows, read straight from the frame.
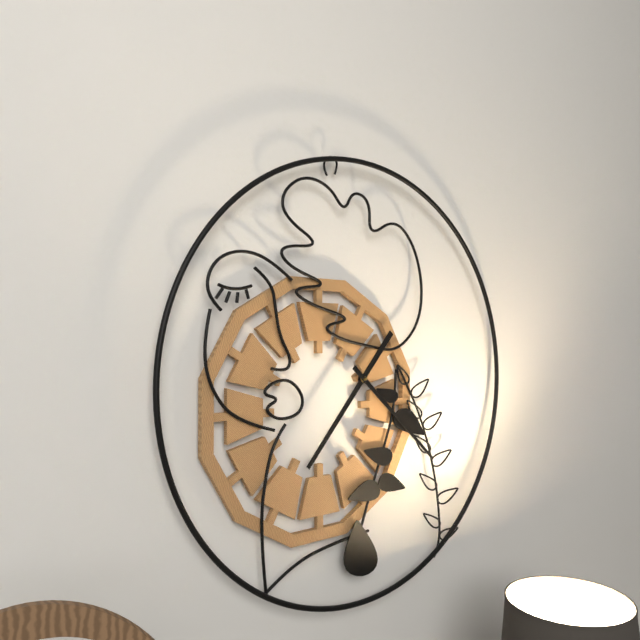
7:22
